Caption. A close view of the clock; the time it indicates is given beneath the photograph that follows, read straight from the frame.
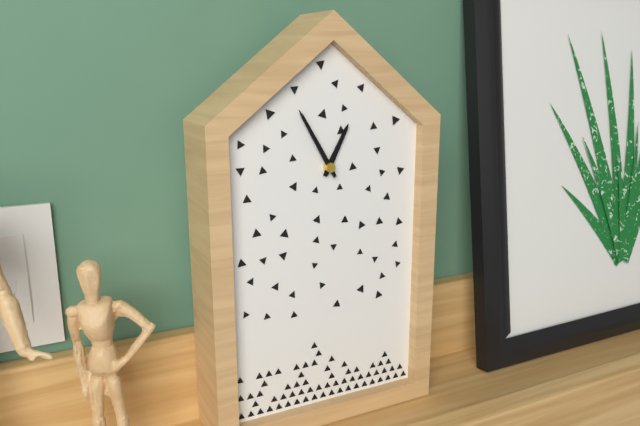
12:55
